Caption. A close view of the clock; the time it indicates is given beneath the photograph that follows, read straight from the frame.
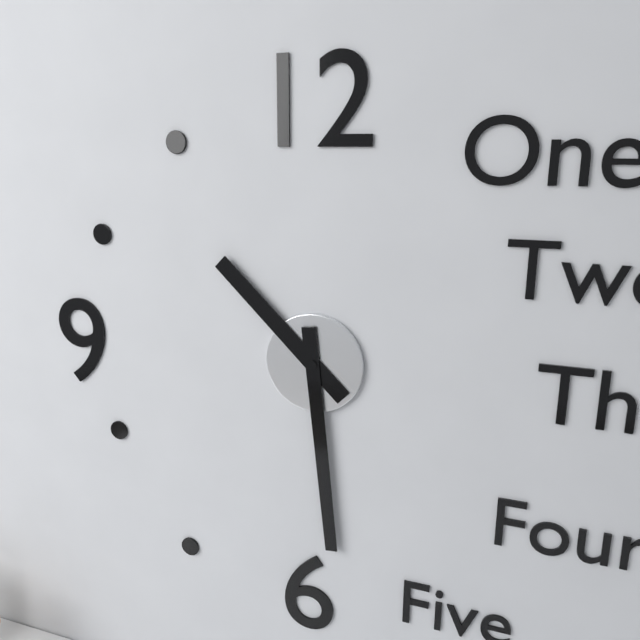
10:29
